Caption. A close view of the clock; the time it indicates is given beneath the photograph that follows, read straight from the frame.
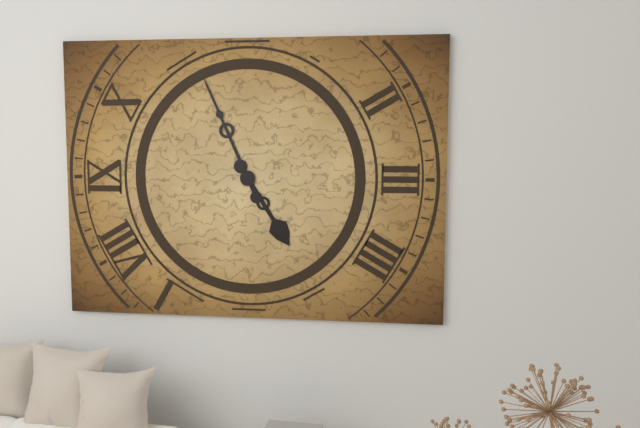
4:56
